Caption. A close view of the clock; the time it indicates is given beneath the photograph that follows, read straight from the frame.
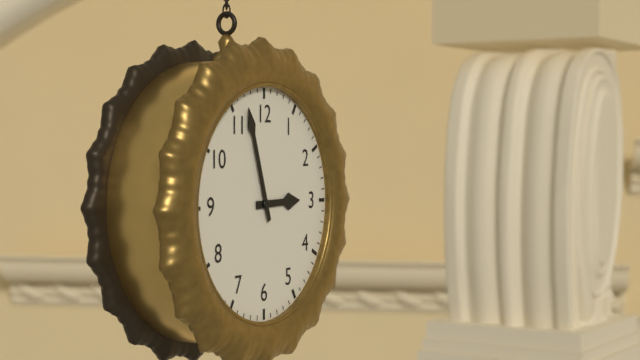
2:57
